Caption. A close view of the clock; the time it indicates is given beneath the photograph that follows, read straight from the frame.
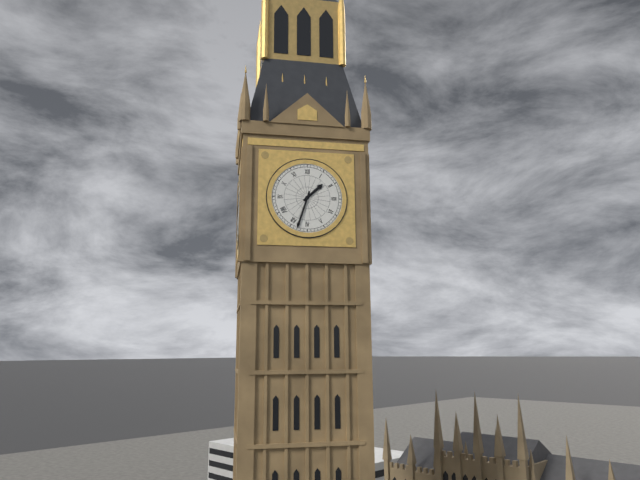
1:33
